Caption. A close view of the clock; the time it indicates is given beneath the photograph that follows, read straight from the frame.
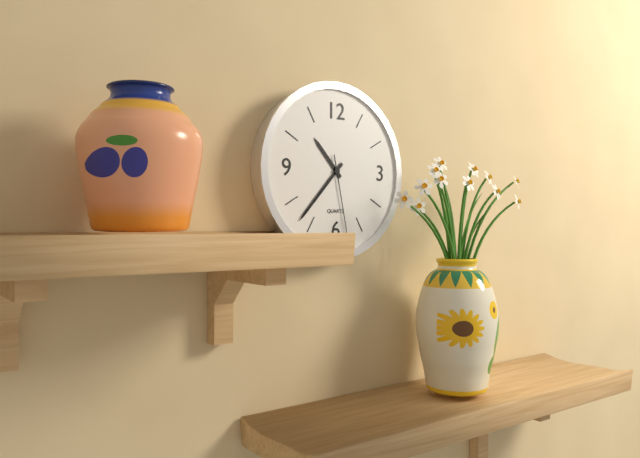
10:37:28
